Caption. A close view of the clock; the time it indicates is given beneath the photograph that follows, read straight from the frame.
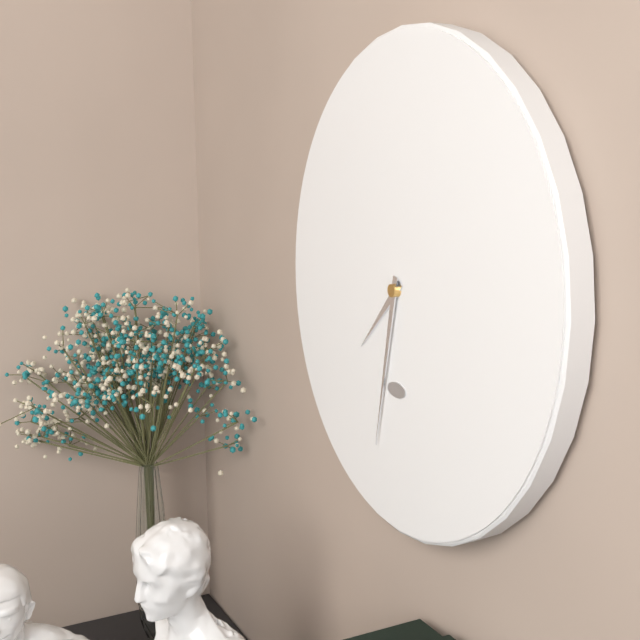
7:32
